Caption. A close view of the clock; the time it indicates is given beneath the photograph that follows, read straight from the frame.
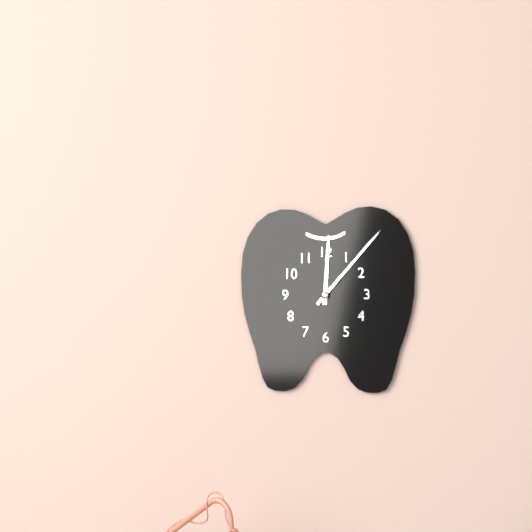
12:07
